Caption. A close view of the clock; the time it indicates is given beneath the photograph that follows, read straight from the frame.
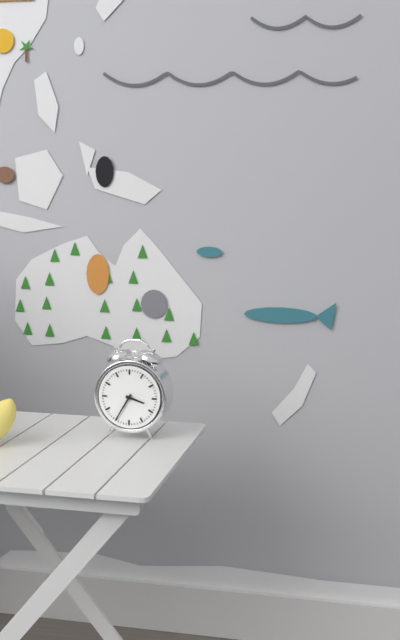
3:35
